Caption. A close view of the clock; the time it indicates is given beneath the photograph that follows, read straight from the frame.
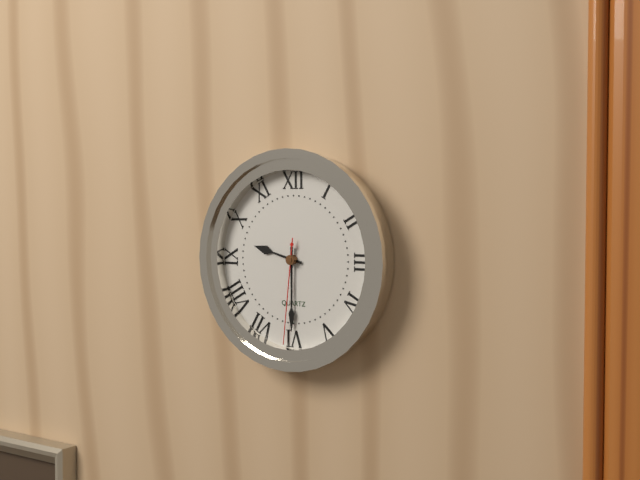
9:30:31
